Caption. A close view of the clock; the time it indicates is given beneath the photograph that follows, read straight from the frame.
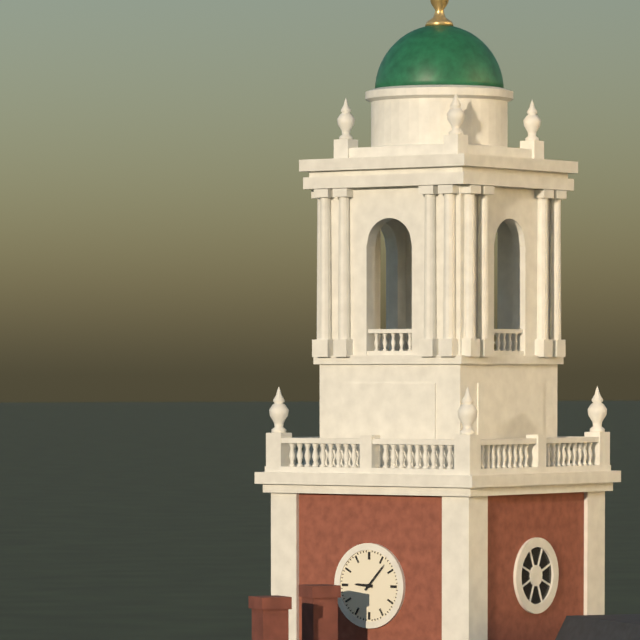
9:07
